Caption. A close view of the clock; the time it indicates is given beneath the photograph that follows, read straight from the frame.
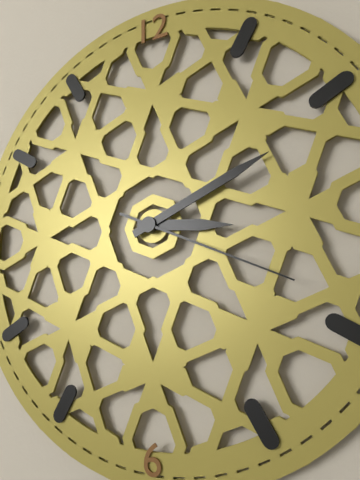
3:11:19
